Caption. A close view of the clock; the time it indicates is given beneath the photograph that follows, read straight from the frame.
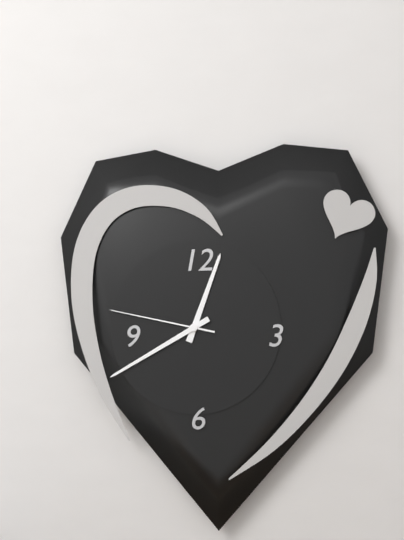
12:40:47
